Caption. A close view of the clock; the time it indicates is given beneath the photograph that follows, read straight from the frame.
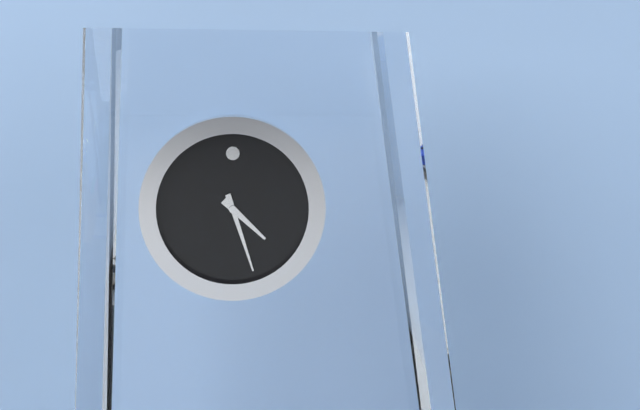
4:27
